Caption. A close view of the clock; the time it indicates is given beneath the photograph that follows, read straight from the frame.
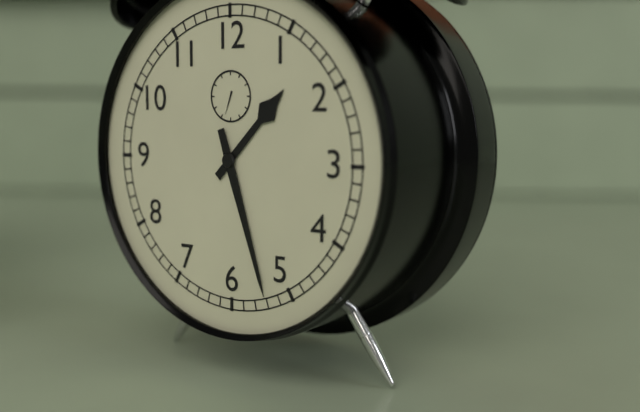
1:27
